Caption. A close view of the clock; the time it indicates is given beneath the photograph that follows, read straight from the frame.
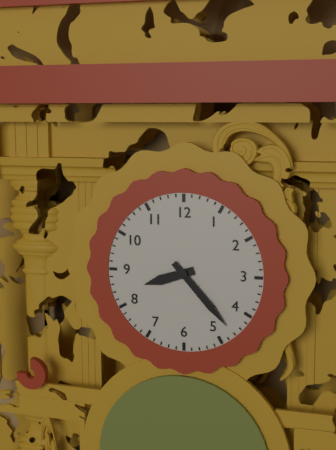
8:23
